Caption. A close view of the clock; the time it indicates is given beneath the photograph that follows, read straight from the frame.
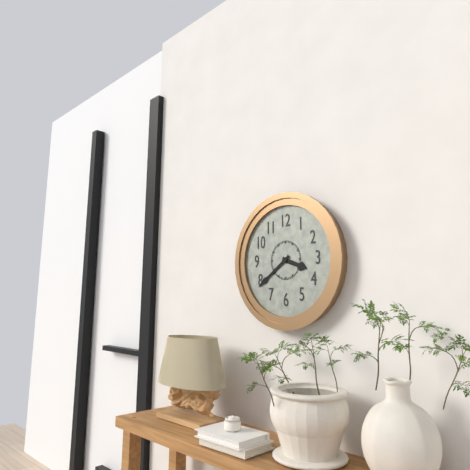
3:39
